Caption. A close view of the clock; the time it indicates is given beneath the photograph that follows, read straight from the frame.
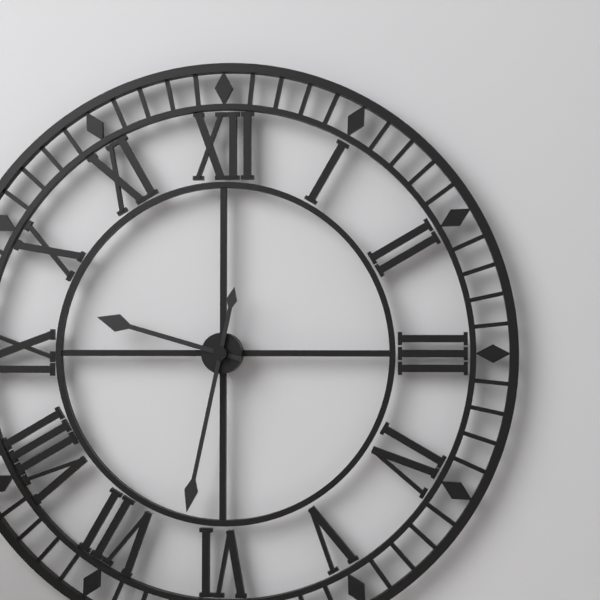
9:32
